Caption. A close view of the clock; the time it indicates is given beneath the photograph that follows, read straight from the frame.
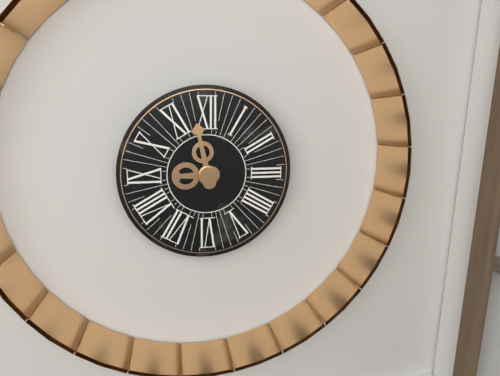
8:58
